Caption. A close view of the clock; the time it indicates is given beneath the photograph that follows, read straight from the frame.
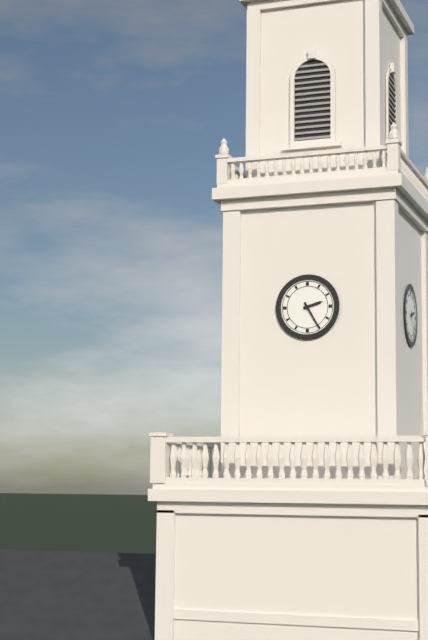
2:25
